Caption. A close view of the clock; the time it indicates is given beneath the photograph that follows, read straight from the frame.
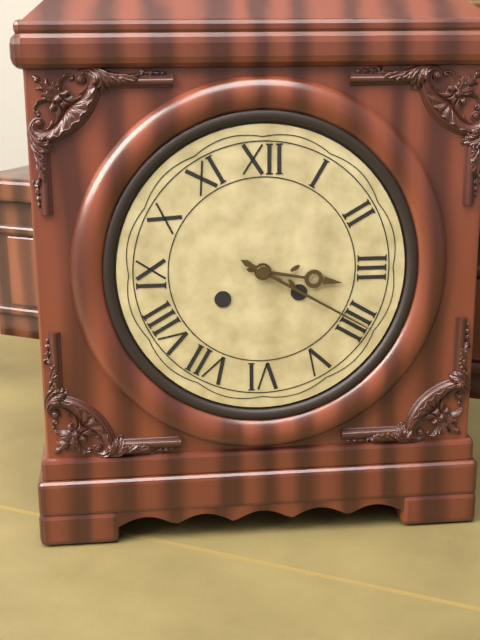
3:20
